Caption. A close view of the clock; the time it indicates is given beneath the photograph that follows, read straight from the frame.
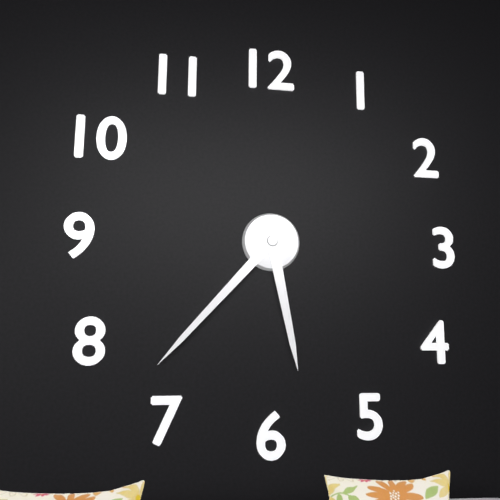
5:37
